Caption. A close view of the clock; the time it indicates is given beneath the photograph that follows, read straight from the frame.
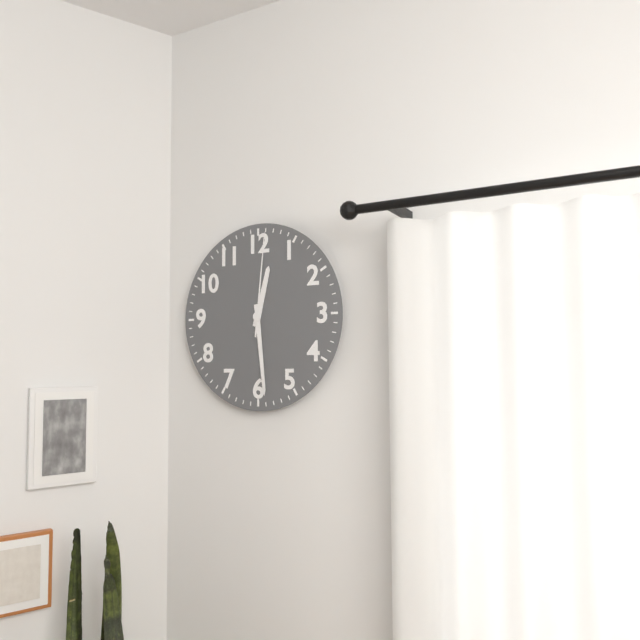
12:29:01
